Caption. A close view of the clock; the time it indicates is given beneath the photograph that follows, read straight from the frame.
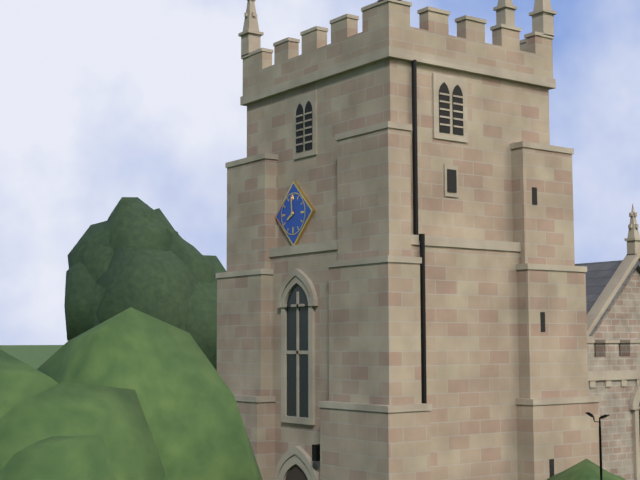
7:59
